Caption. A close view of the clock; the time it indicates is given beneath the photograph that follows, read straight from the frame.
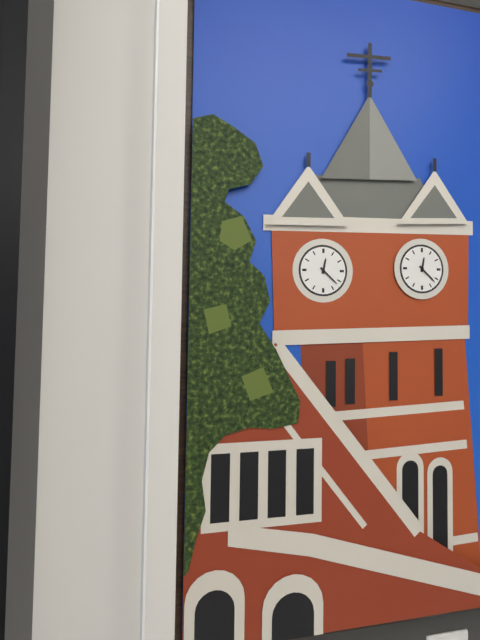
12:22
